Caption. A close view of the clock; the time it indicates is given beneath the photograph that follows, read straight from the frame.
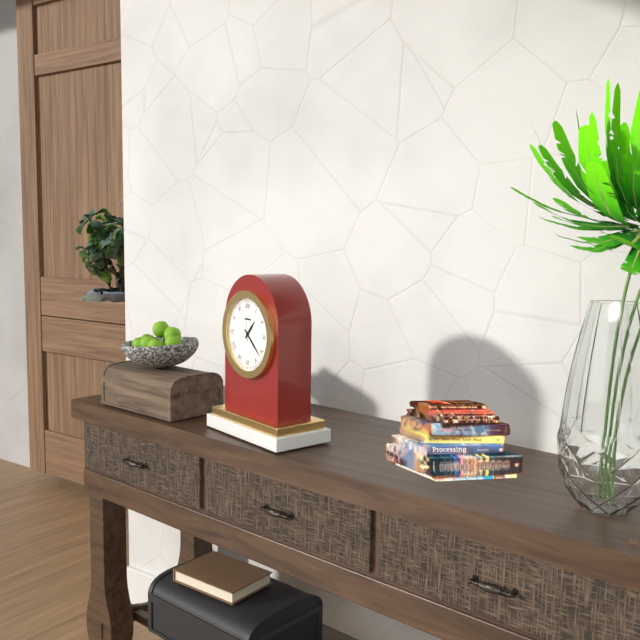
1:22
